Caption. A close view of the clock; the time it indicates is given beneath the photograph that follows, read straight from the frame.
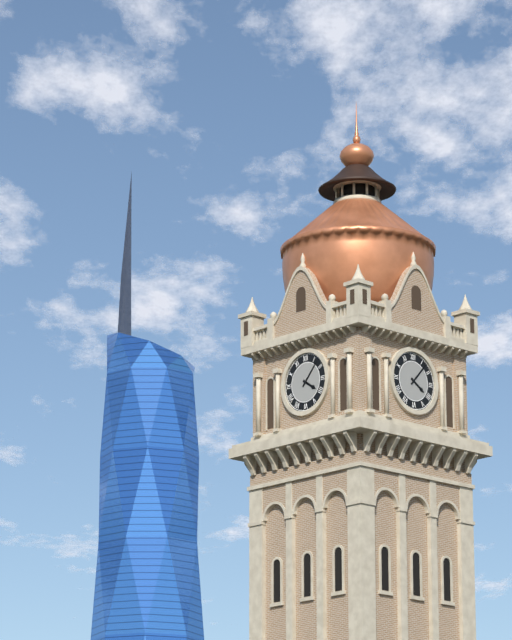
4:07
